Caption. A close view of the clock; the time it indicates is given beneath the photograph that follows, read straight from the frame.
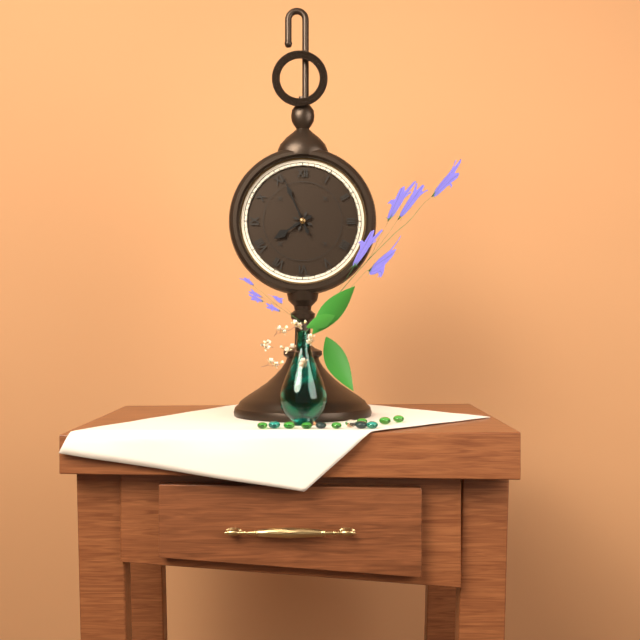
7:56
